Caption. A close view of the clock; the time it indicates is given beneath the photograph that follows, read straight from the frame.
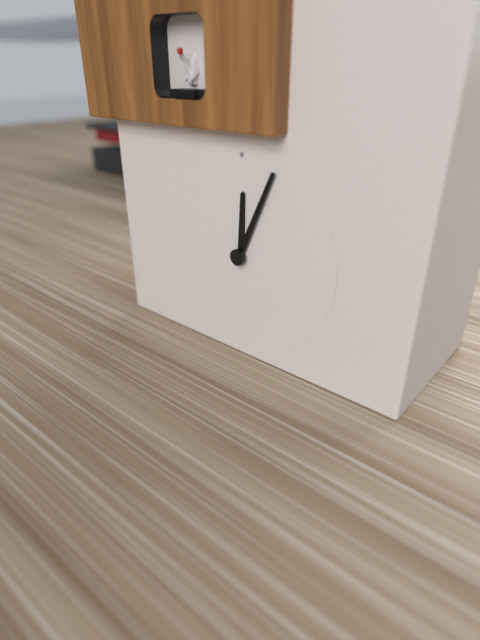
12:04
